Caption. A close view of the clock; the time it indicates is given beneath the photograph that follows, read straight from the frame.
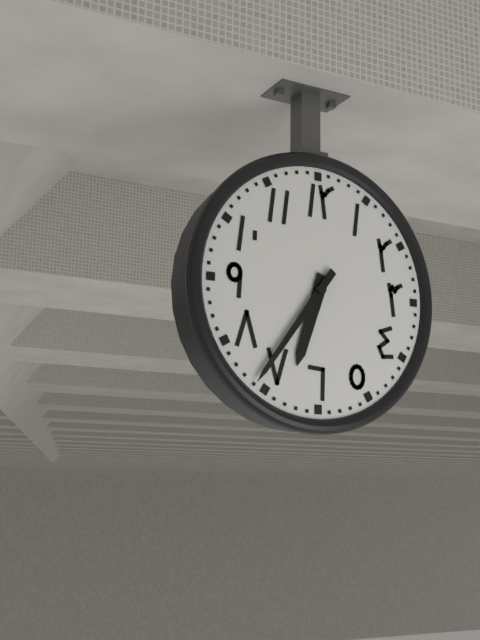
6:36
